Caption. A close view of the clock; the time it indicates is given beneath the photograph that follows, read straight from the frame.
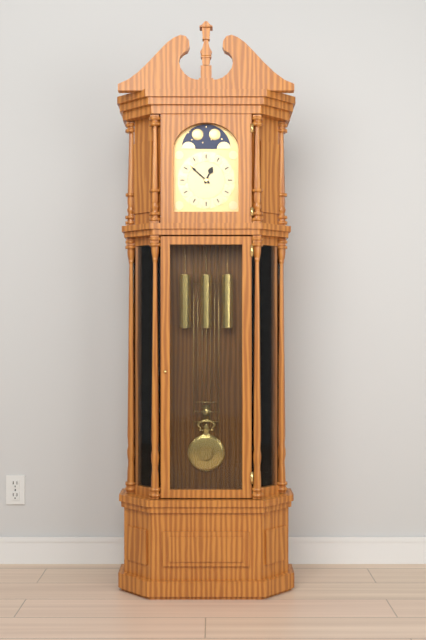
12:52
